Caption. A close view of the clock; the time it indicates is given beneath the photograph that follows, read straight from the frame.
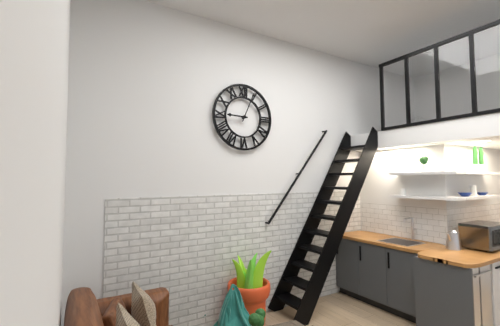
9:04
